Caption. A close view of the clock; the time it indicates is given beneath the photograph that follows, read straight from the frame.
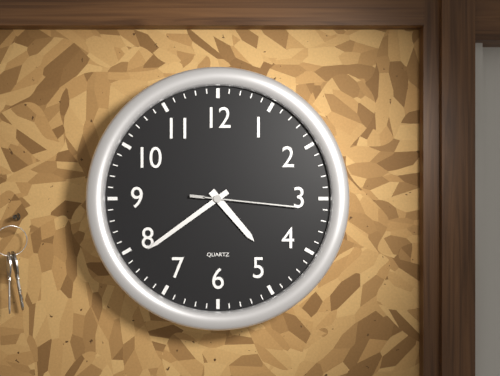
4:39:16
